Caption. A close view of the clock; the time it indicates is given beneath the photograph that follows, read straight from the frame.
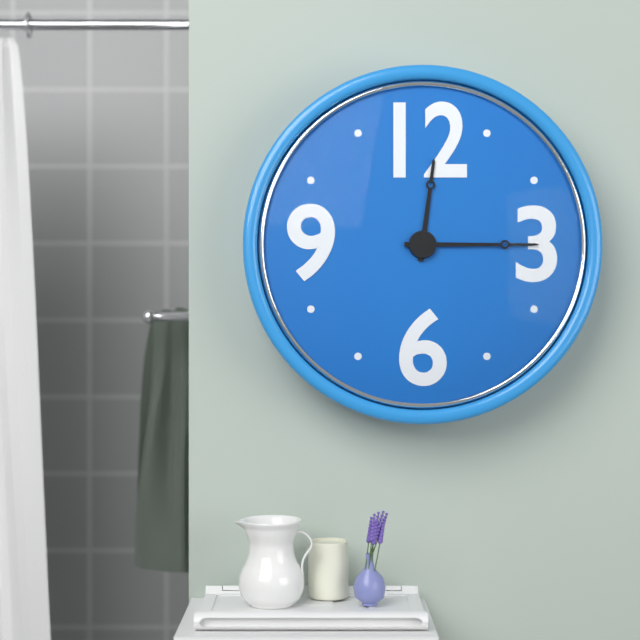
12:15
